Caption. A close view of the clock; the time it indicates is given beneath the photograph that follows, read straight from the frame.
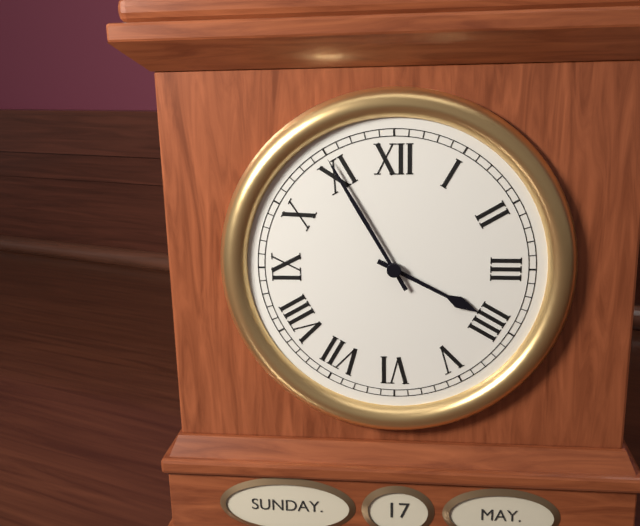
3:55
